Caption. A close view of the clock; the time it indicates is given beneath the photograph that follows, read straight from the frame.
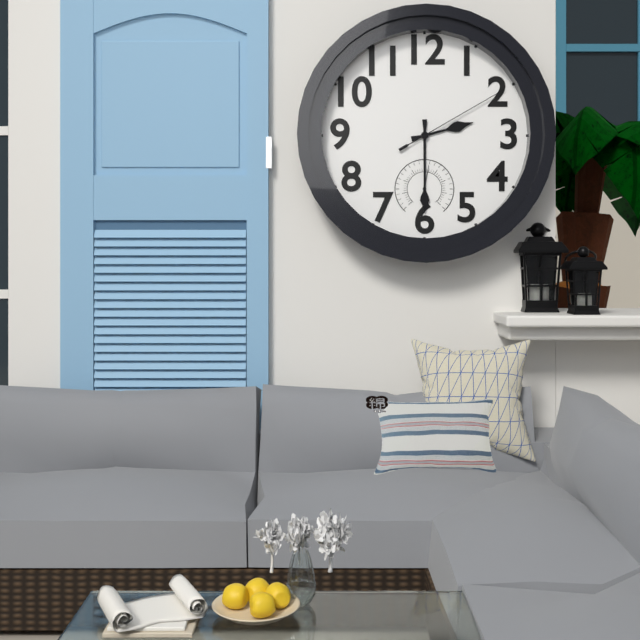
2:30:10
